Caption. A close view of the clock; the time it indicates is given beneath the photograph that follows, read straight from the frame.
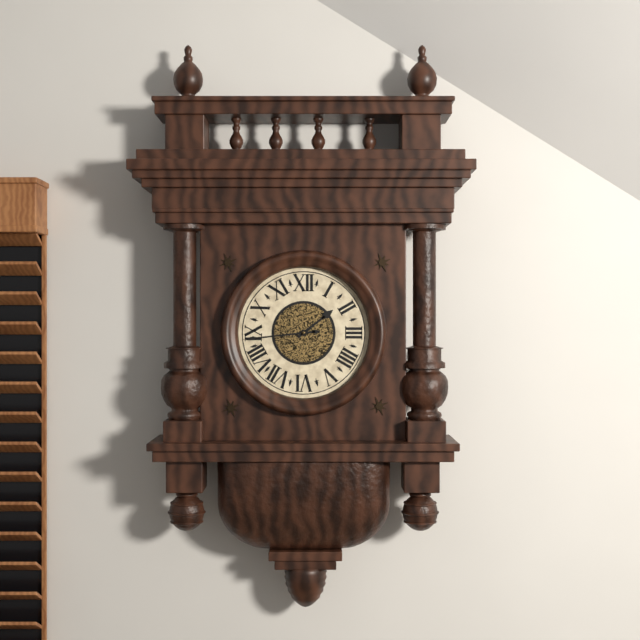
1:44
